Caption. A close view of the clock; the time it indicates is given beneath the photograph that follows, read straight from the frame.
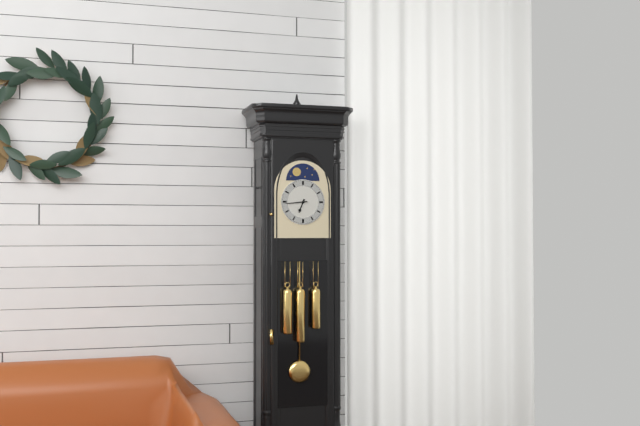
6:44
